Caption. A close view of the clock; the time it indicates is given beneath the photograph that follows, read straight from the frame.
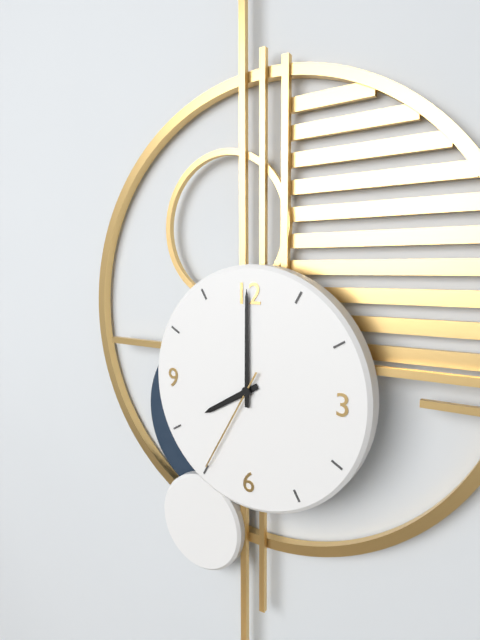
8:00:35
